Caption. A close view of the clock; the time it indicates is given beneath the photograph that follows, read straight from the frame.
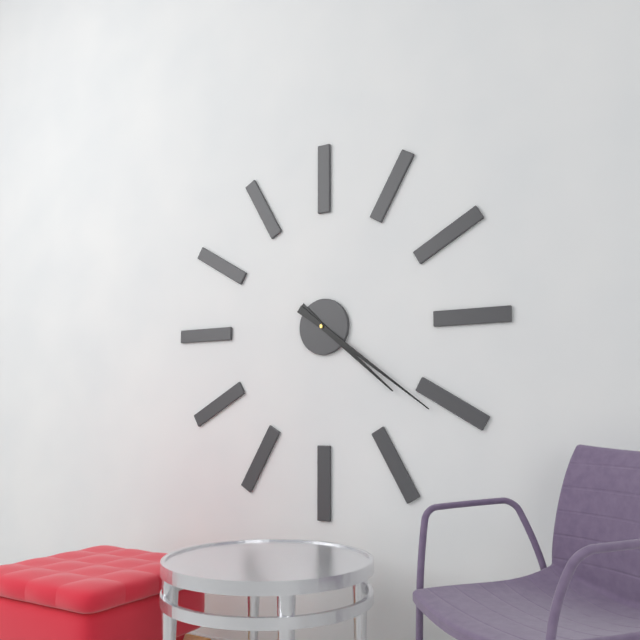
4:21
